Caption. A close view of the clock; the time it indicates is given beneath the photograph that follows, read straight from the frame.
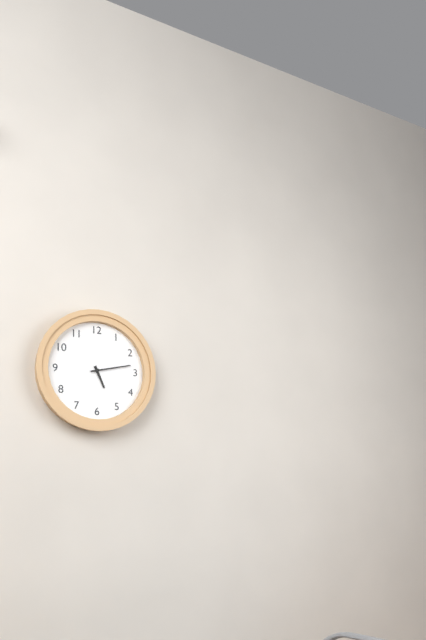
5:13
